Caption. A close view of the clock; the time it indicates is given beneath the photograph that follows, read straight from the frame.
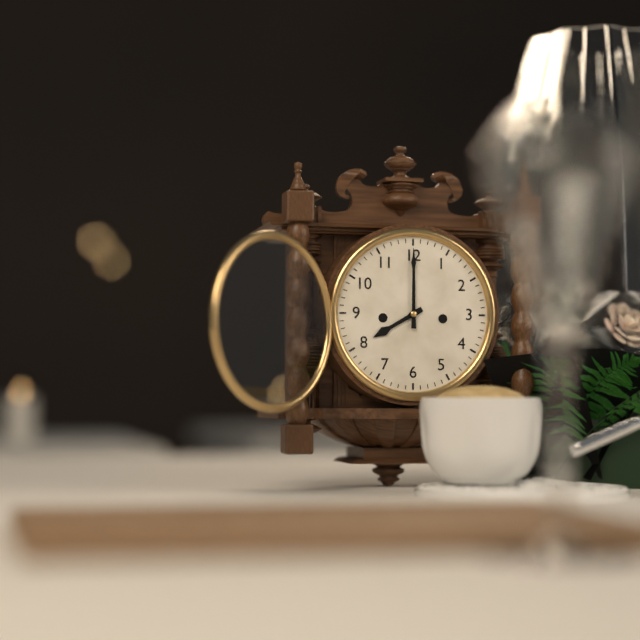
8:00
